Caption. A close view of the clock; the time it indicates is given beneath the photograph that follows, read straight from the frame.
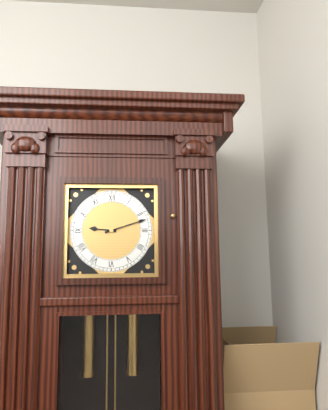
9:12
